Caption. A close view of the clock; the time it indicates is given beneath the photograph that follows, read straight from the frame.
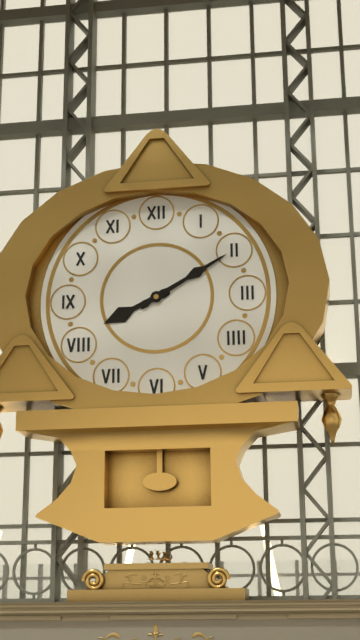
8:10
